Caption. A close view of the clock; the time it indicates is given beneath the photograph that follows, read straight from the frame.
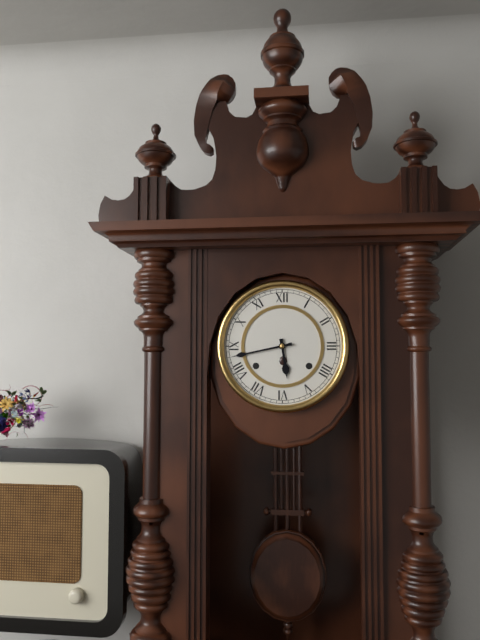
5:43
